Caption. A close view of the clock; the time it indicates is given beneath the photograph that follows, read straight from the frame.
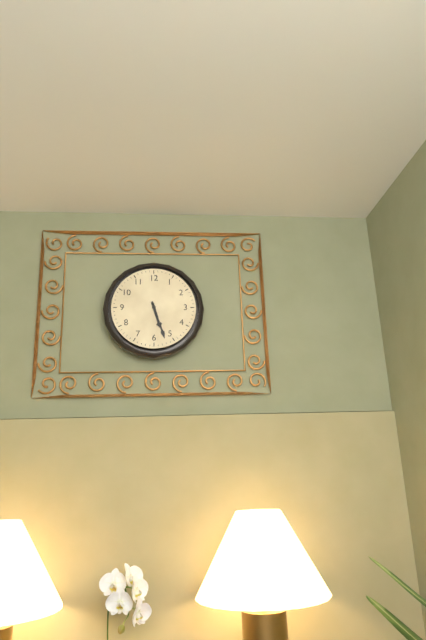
5:27
